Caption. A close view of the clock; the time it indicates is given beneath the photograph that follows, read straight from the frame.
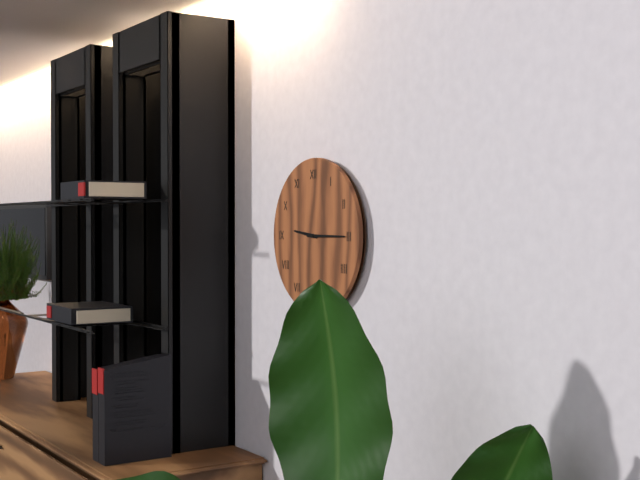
9:15
